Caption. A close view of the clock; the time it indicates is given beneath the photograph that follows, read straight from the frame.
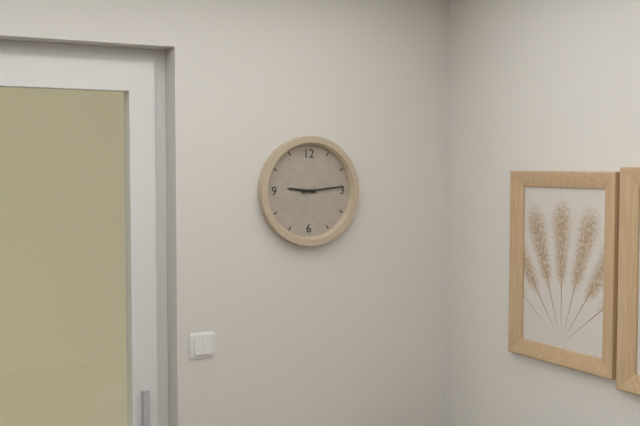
9:14
